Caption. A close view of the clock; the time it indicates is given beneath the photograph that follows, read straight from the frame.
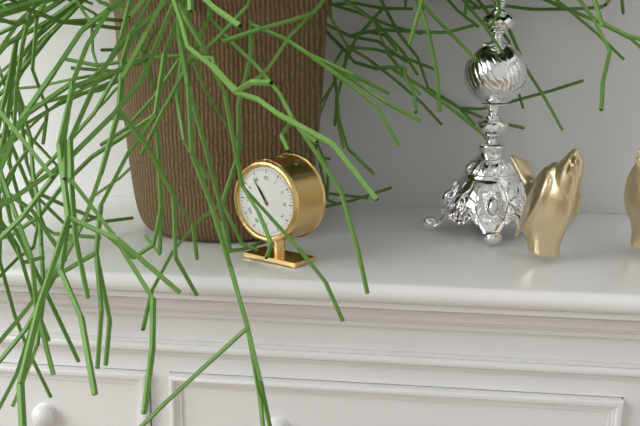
10:54
